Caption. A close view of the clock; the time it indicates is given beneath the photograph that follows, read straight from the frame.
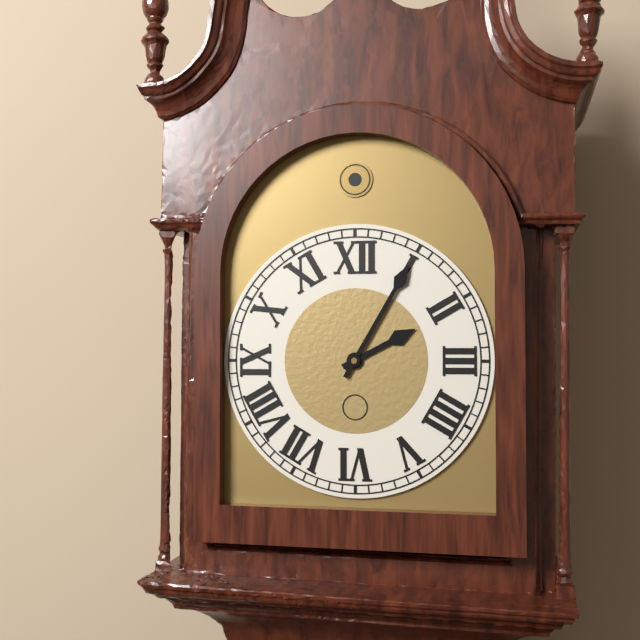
2:05
